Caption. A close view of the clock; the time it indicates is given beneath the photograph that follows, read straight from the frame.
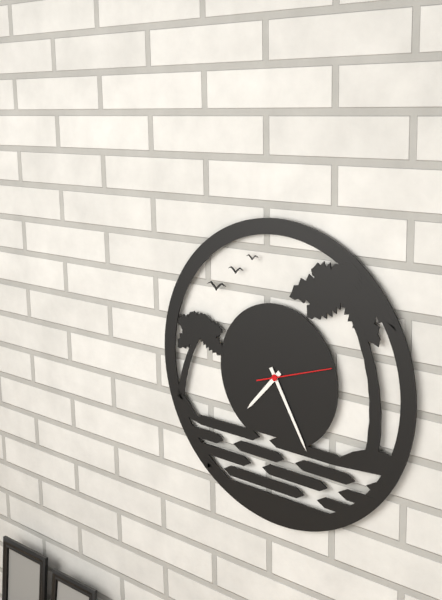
7:25:12
